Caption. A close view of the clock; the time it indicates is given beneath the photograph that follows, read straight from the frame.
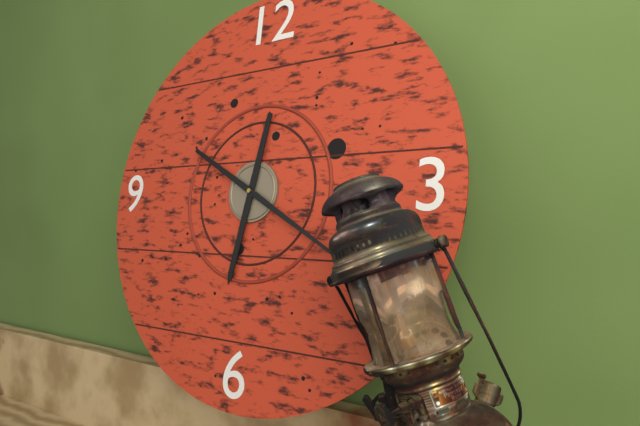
6:20
